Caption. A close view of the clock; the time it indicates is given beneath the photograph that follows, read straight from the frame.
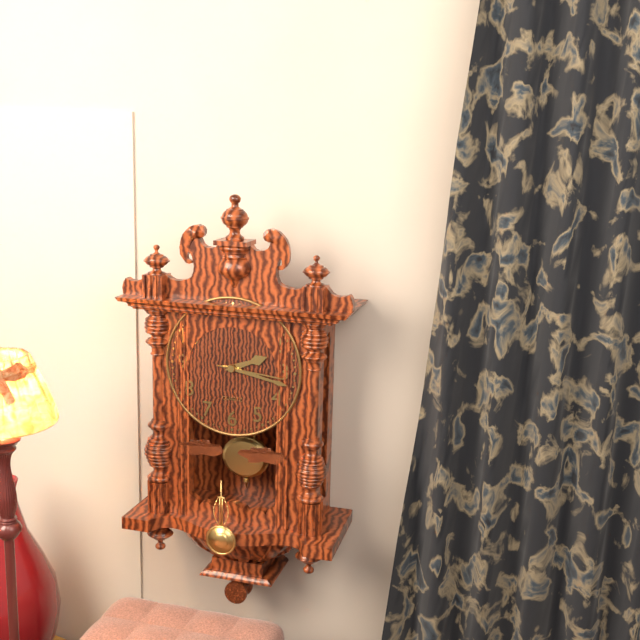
2:17:16
